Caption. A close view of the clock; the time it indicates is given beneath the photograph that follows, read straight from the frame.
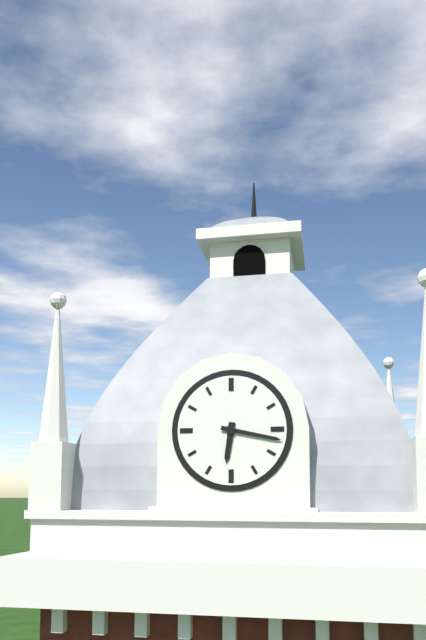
6:17
